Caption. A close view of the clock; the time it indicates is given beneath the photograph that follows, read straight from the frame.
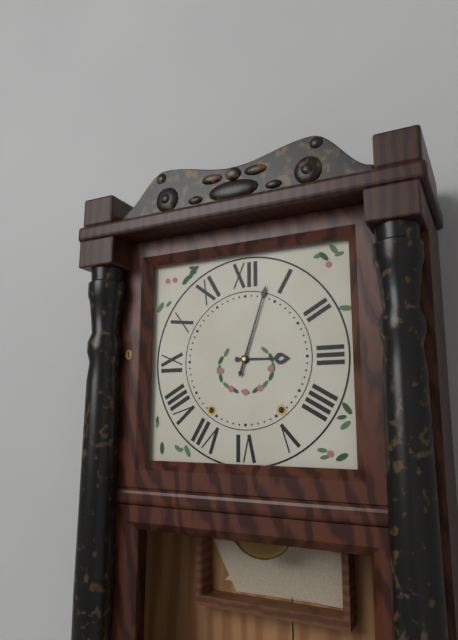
3:03
